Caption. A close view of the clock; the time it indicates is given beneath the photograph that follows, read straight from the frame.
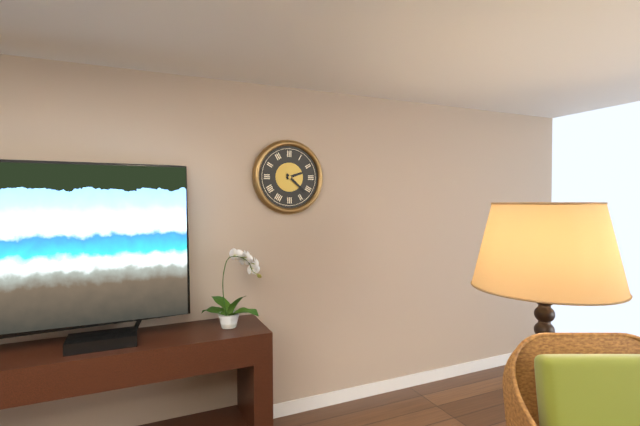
2:22
